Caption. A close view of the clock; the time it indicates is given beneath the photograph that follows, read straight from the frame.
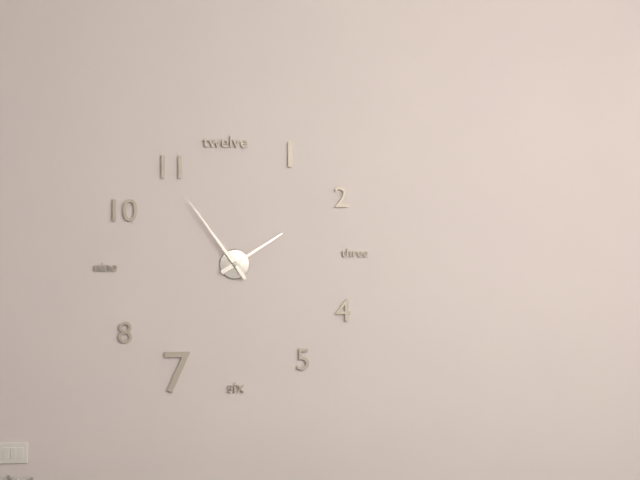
1:54
